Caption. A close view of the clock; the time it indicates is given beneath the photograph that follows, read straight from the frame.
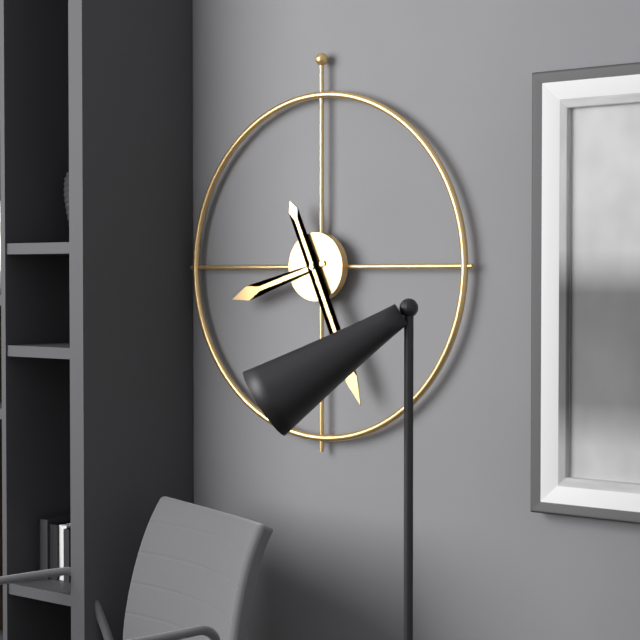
8:26
